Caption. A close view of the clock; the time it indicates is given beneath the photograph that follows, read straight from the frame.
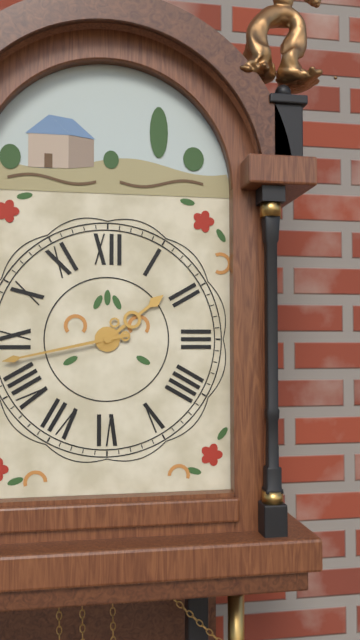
1:43
